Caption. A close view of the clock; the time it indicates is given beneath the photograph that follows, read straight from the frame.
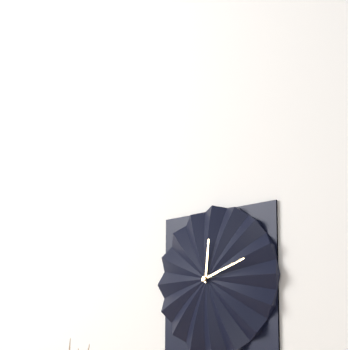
12:12
